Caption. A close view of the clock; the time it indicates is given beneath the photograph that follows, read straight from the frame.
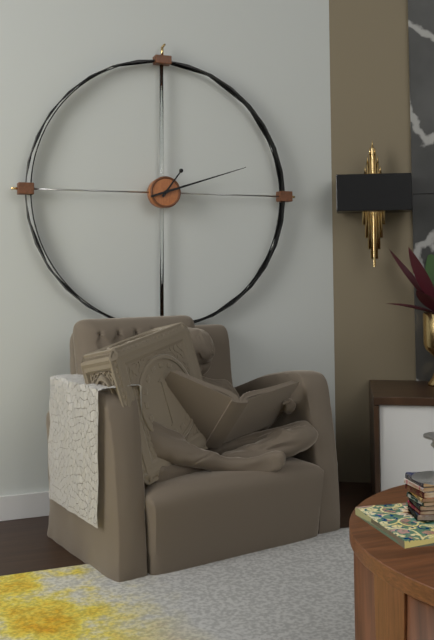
1:12
